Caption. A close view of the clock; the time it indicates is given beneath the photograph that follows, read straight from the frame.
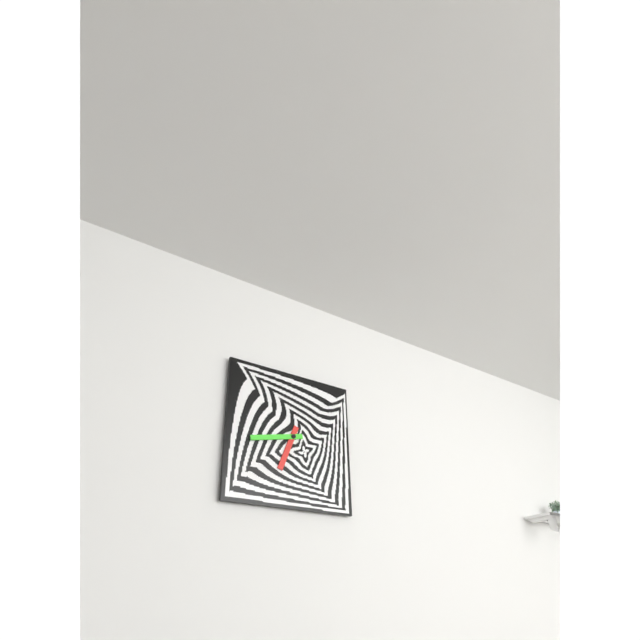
6:43
